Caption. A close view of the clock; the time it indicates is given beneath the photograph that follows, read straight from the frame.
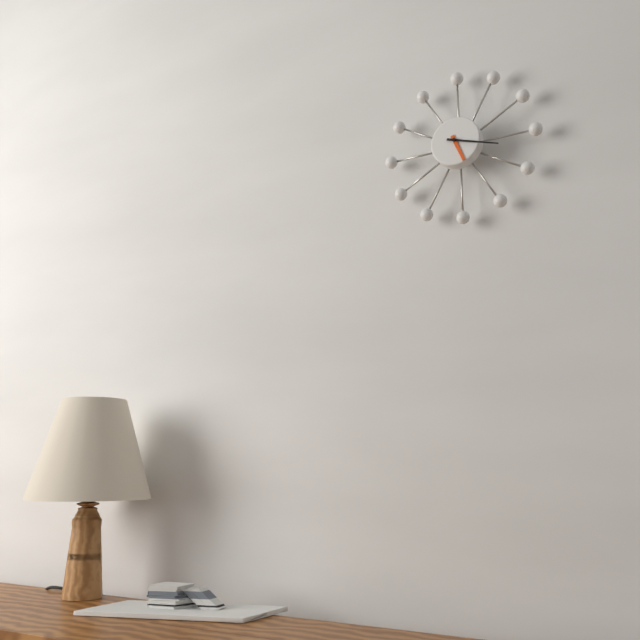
5:18
